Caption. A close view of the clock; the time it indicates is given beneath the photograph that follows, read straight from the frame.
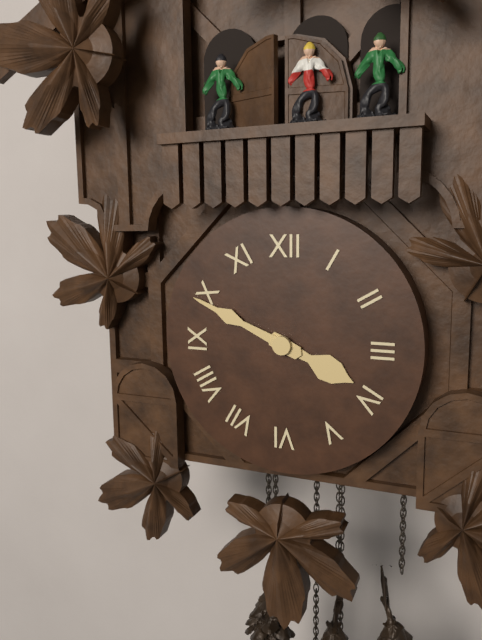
3:49
